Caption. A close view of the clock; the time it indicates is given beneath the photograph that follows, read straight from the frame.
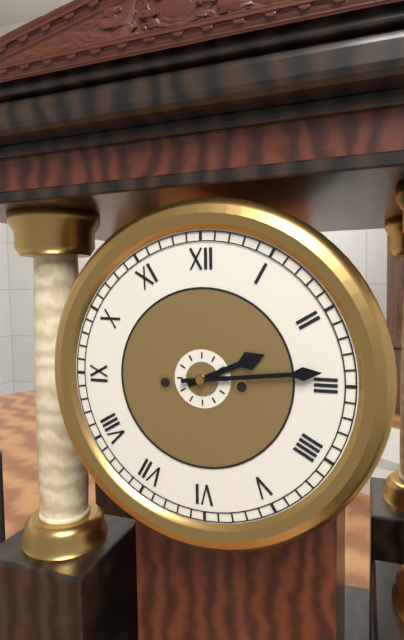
2:14
